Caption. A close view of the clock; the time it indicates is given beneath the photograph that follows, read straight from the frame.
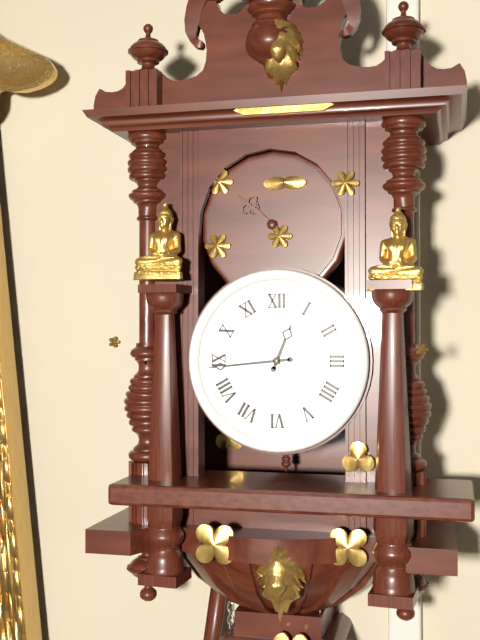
12:44
